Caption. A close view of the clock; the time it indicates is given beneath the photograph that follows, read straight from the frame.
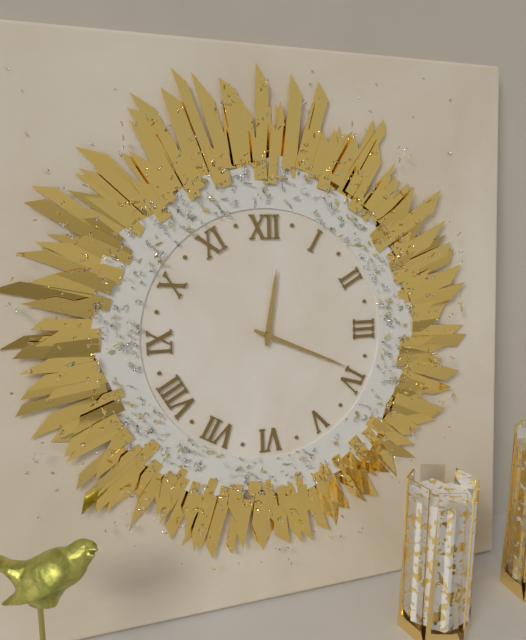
12:19
